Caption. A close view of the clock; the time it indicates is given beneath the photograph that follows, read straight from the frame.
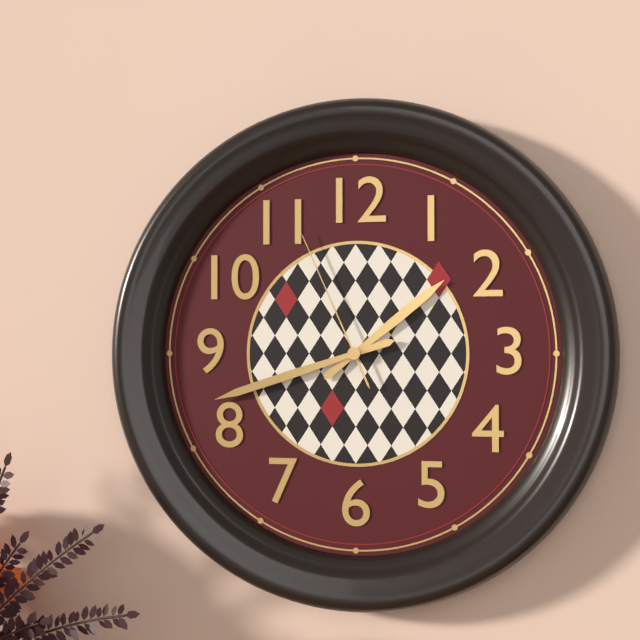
1:42:56
